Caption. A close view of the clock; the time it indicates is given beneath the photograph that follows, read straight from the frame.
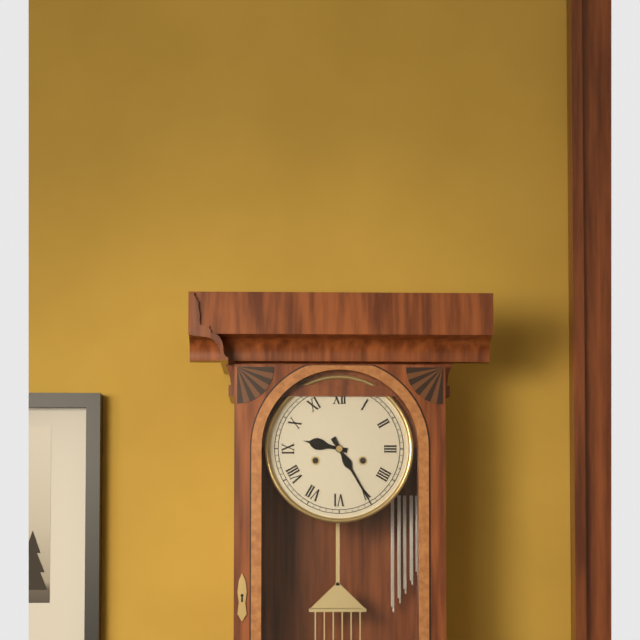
9:25
